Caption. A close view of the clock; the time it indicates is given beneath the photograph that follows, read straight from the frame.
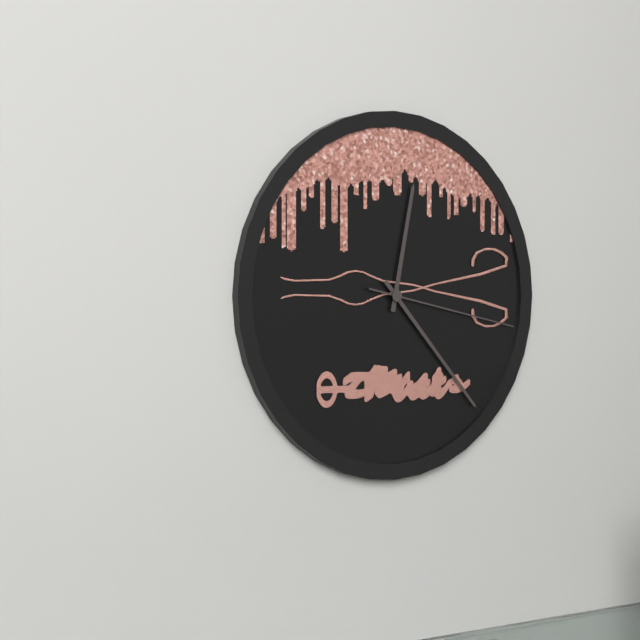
12:23:17
